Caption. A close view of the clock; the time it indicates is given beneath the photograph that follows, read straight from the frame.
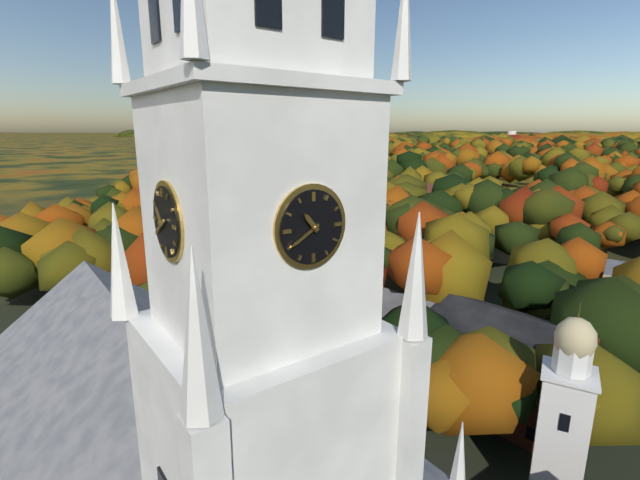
10:40
